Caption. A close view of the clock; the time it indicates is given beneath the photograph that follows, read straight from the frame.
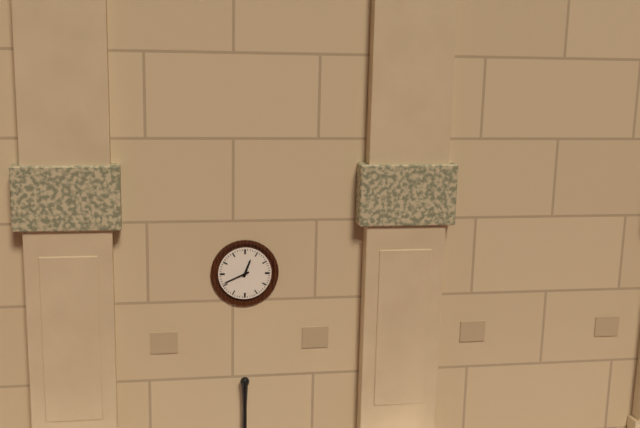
12:41
